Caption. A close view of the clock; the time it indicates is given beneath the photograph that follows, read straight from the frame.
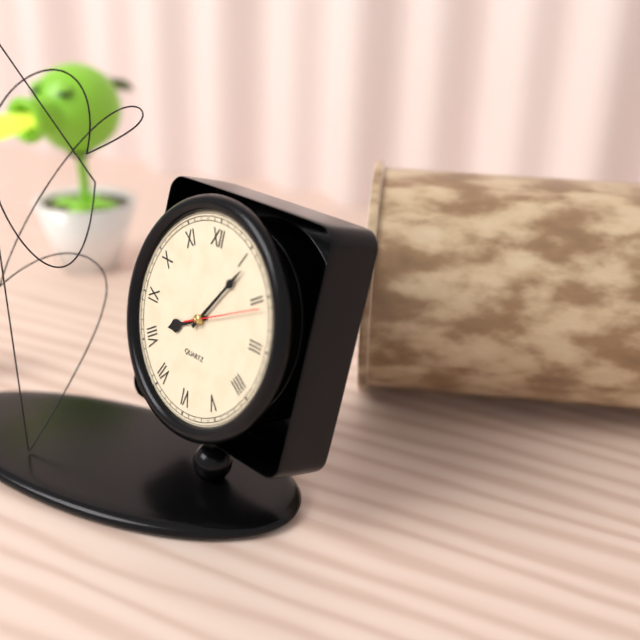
8:06
